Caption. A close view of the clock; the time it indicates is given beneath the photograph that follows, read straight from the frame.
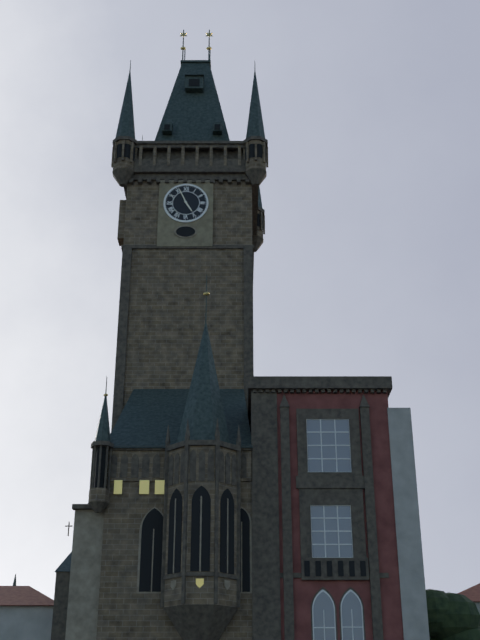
4:56
